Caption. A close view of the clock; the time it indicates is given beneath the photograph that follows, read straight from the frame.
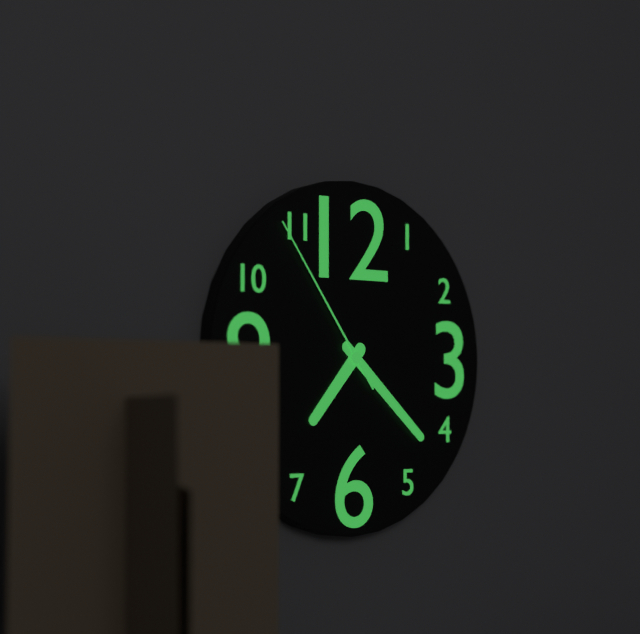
7:22:54
